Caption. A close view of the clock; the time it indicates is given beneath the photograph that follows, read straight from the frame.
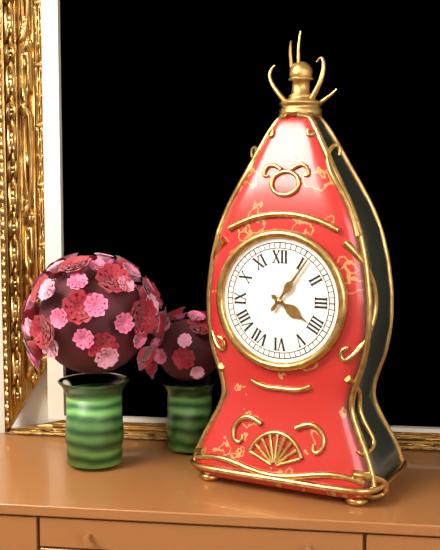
4:06
